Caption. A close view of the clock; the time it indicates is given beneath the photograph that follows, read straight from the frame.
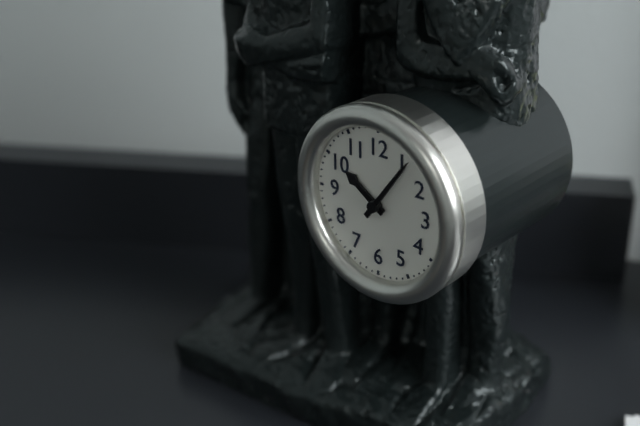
10:06
